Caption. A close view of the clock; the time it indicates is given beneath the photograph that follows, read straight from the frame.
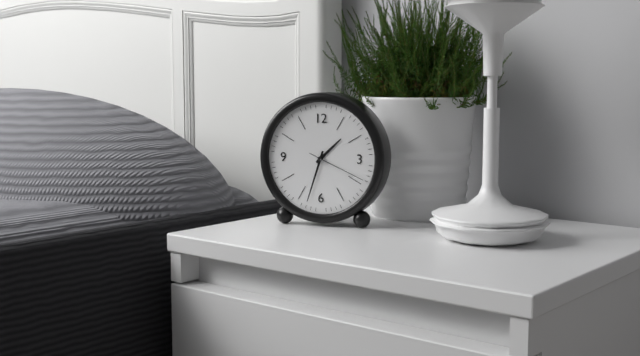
1:33:19
